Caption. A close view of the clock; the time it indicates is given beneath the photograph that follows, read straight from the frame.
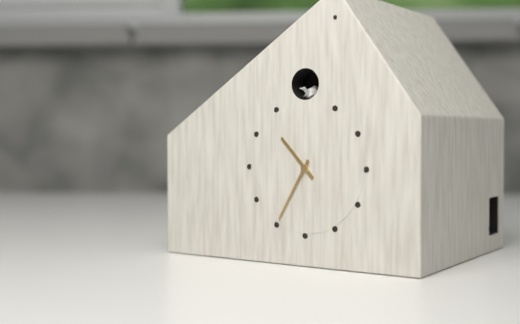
10:35
